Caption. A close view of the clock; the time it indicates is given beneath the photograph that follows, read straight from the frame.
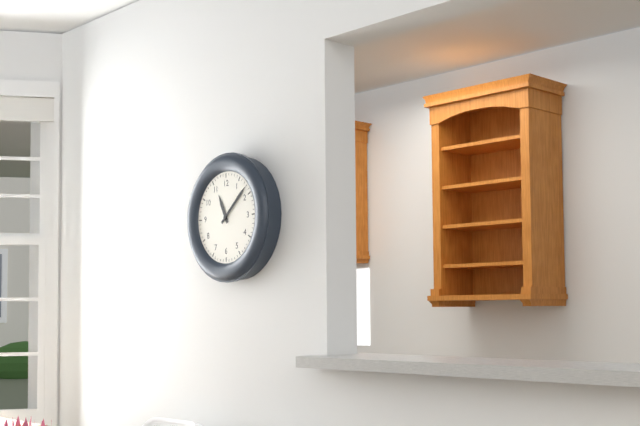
11:08
